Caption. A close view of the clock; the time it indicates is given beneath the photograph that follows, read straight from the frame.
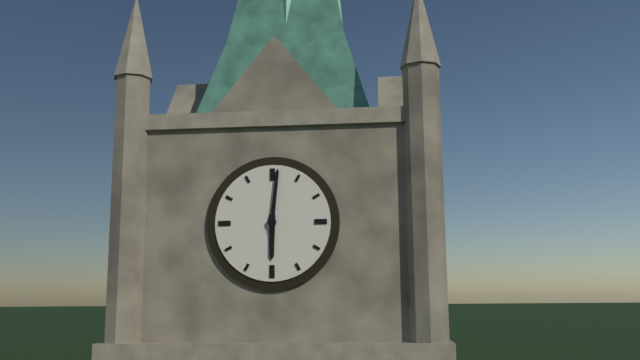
6:01
